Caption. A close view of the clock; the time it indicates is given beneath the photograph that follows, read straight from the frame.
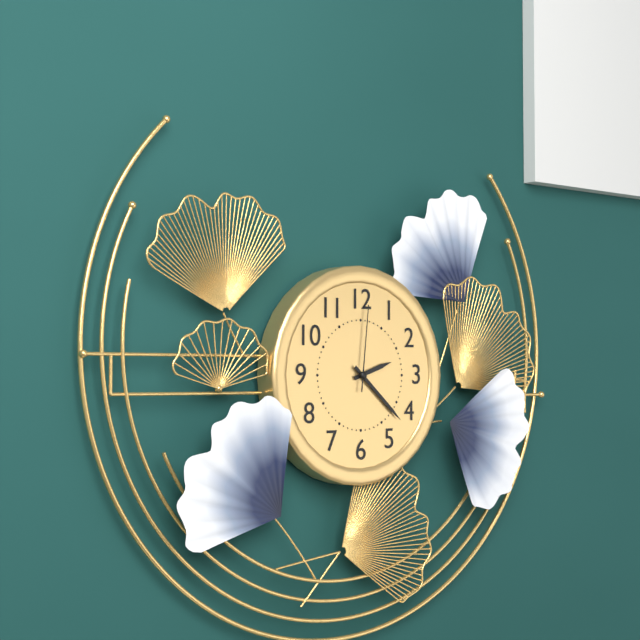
2:22:01
